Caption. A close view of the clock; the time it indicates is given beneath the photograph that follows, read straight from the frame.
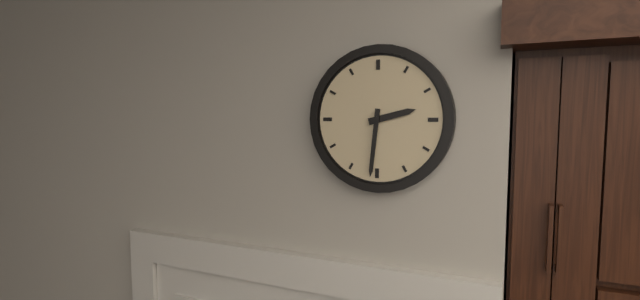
2:31
